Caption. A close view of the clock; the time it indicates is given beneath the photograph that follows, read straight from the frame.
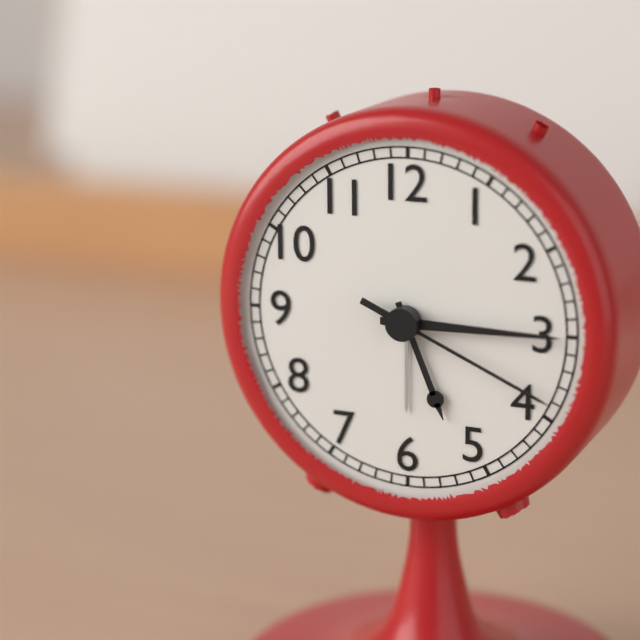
5:15:19
